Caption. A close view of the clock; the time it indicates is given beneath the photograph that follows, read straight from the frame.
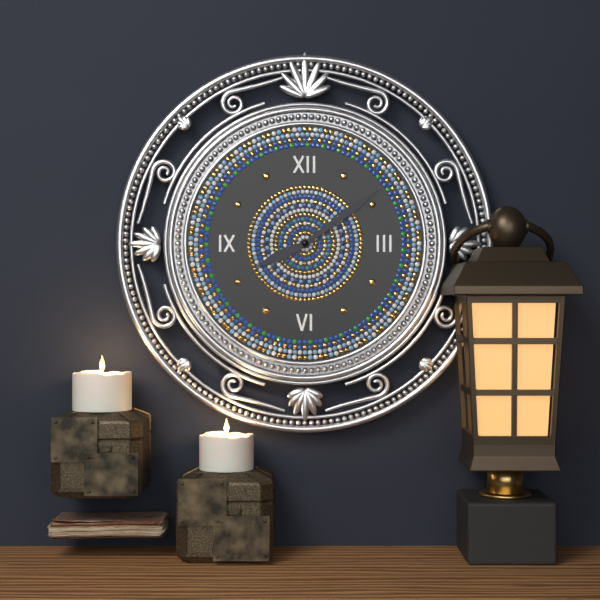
8:09
